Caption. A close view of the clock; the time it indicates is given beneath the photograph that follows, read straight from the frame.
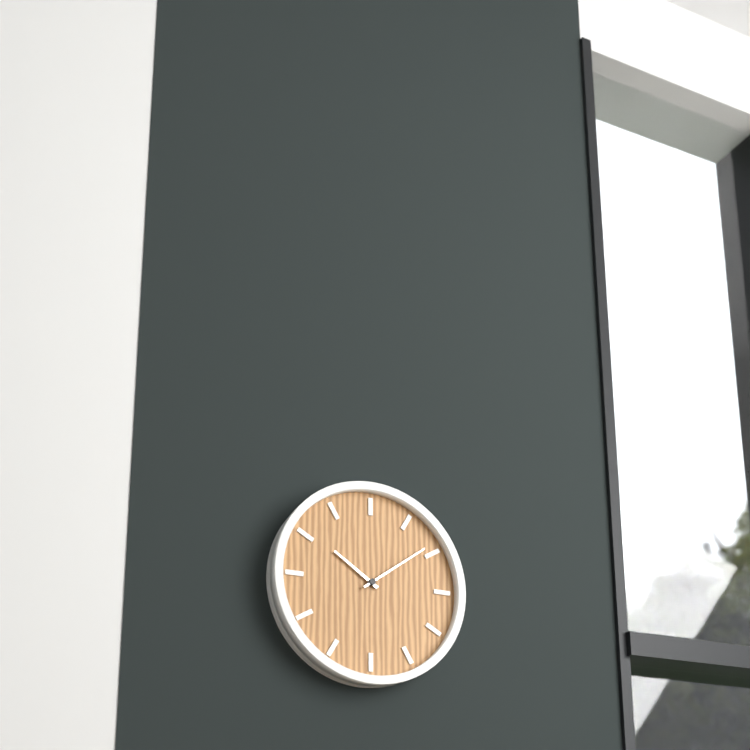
10:09
